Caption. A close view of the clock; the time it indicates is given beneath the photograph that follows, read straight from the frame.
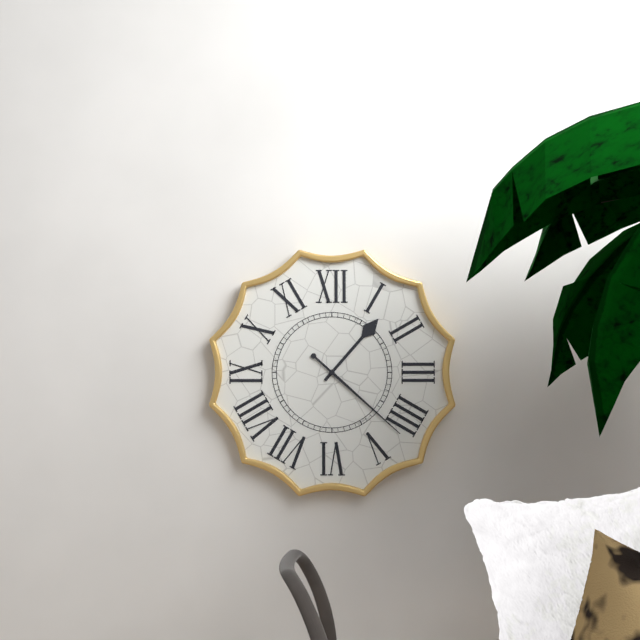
1:22
